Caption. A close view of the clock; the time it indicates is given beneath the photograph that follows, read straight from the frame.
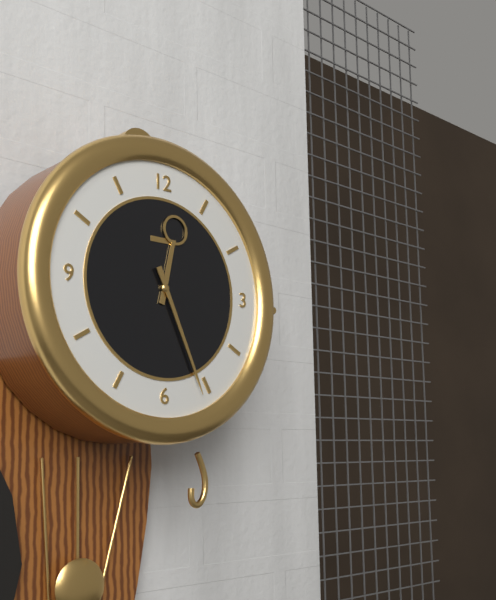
12:26
